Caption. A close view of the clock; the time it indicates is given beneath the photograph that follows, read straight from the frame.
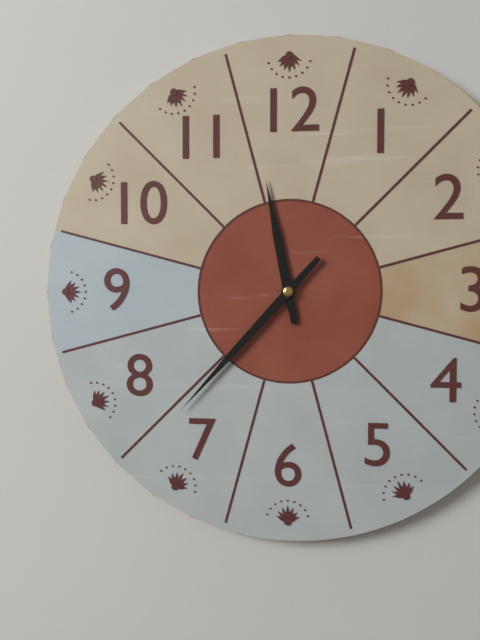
11:37
